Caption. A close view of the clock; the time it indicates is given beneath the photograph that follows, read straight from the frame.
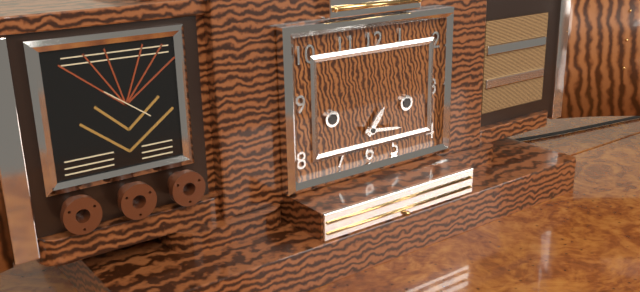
1:16
